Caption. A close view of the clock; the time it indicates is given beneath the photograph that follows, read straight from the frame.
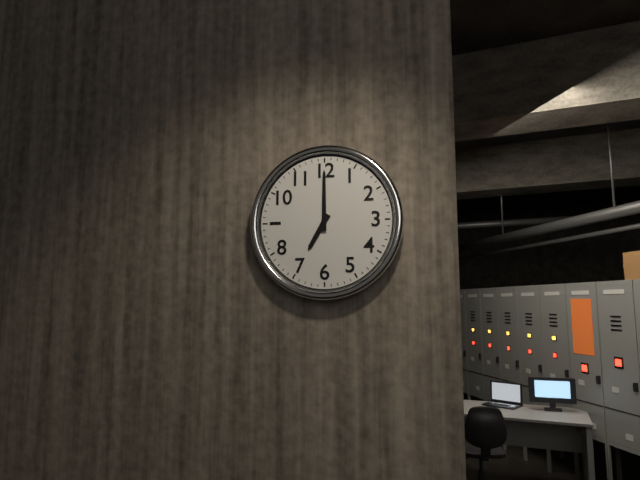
7:00
